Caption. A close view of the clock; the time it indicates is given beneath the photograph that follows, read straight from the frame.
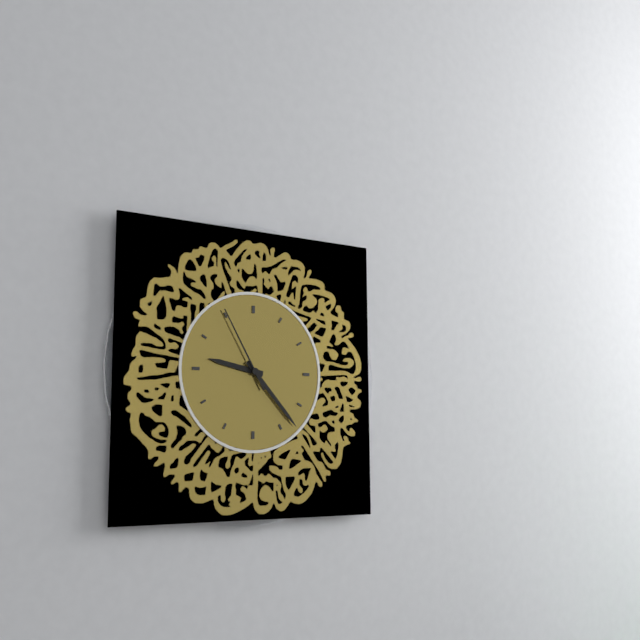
9:23:55
